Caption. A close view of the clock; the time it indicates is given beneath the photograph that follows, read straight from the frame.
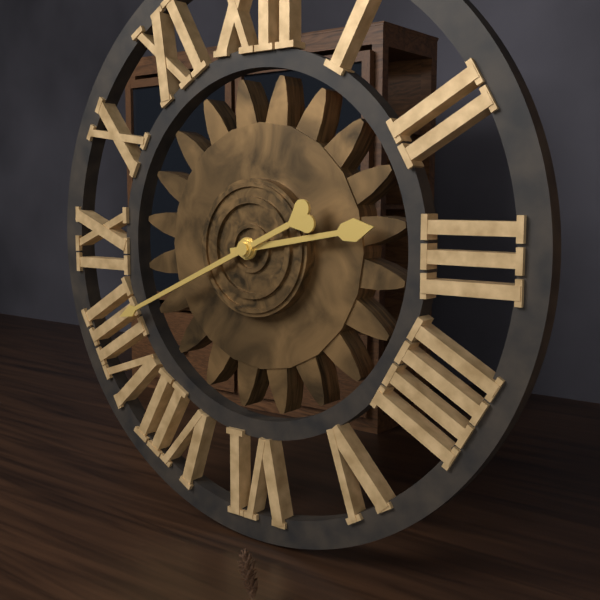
2:41
